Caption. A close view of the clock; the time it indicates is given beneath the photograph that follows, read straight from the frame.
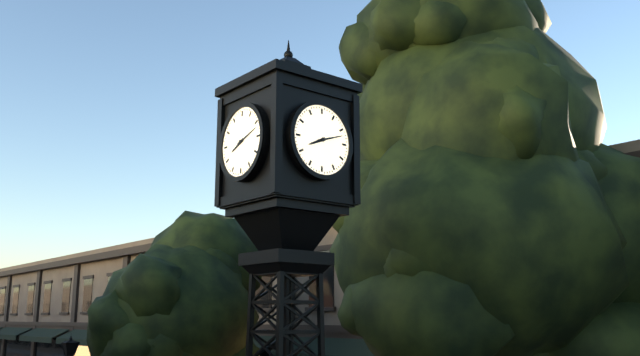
8:12
